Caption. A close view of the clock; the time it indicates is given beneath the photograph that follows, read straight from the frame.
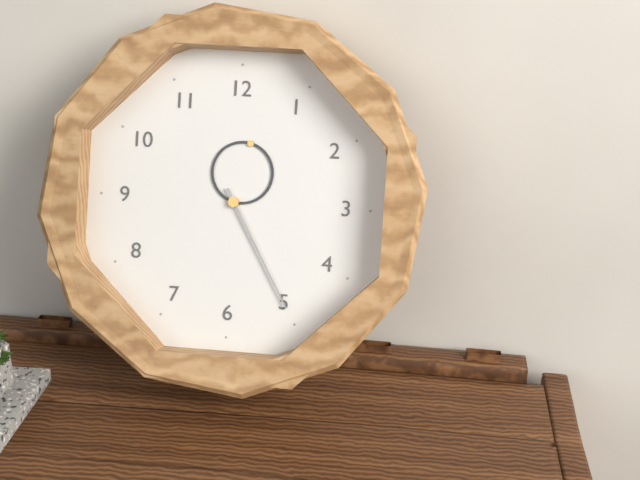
12:25
